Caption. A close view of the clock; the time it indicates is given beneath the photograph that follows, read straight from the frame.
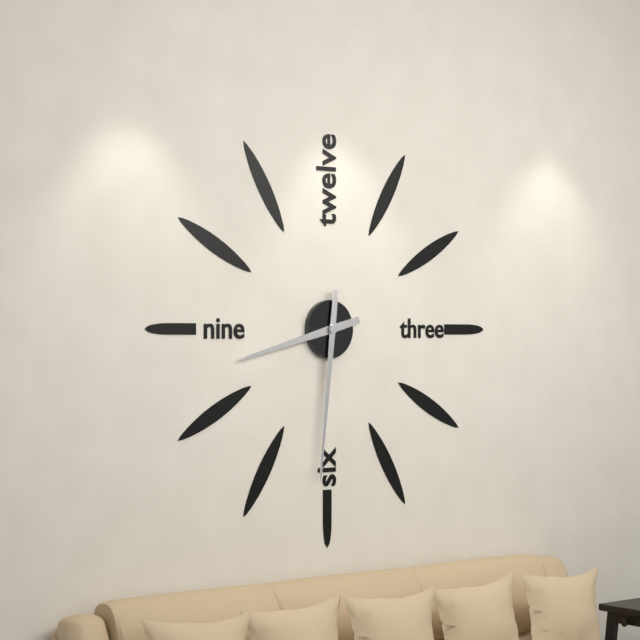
8:31
